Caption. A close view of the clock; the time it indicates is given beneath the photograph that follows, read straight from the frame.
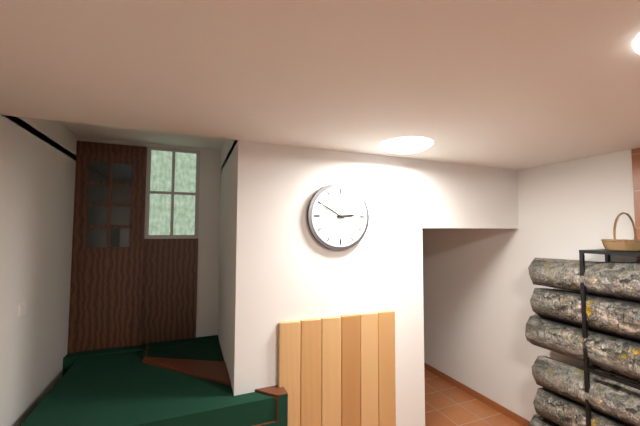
2:50
